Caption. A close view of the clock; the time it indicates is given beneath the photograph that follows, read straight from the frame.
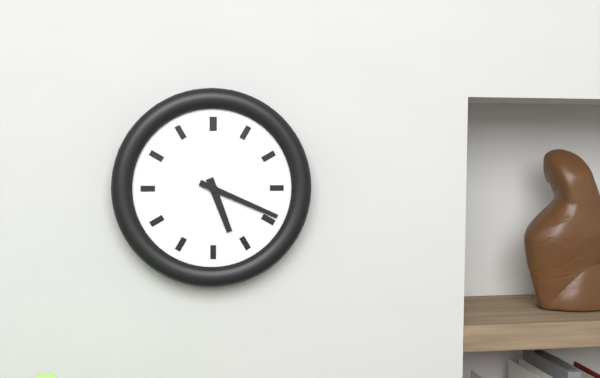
5:19
